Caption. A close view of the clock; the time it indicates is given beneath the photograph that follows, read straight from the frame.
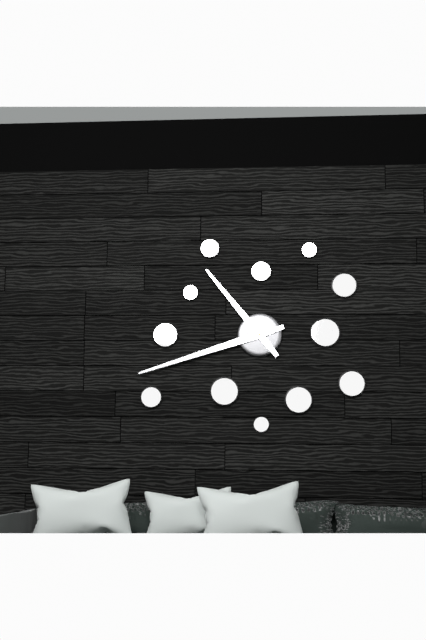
10:42
